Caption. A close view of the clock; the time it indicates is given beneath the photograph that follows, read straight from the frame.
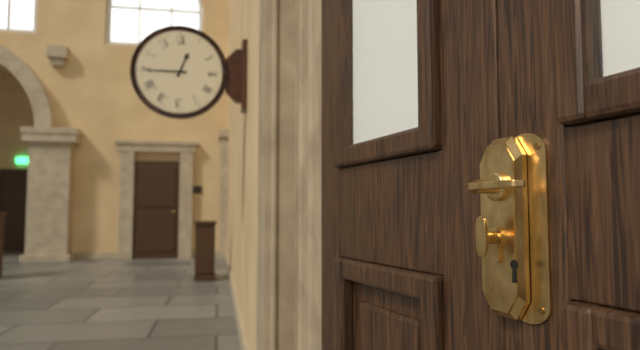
12:45
